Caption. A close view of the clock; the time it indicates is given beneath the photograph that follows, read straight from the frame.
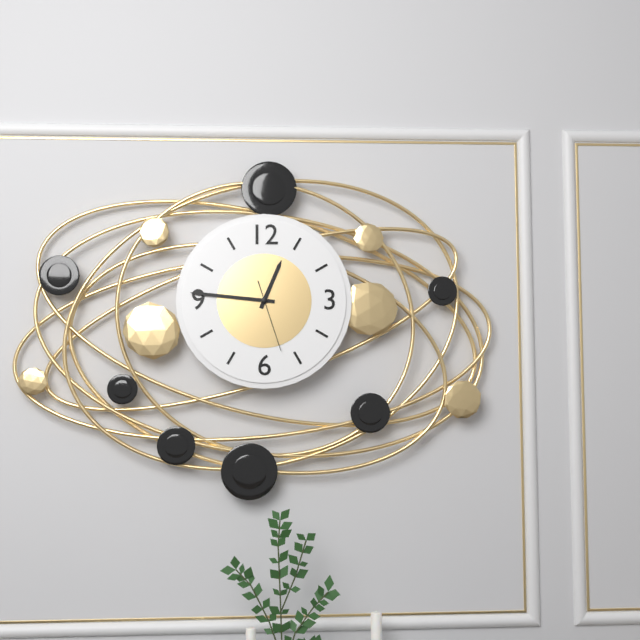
12:46:27
